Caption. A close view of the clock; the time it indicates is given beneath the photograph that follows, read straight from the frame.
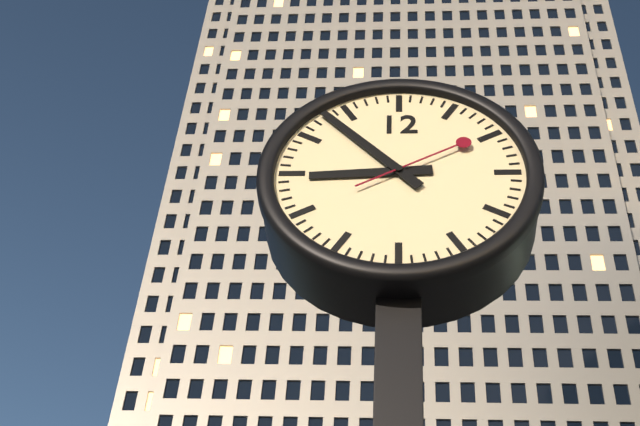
8:53:10
